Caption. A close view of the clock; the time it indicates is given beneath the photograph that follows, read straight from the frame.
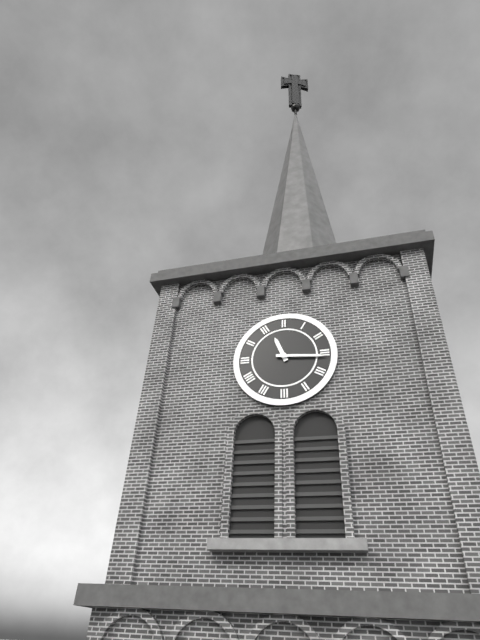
11:16
